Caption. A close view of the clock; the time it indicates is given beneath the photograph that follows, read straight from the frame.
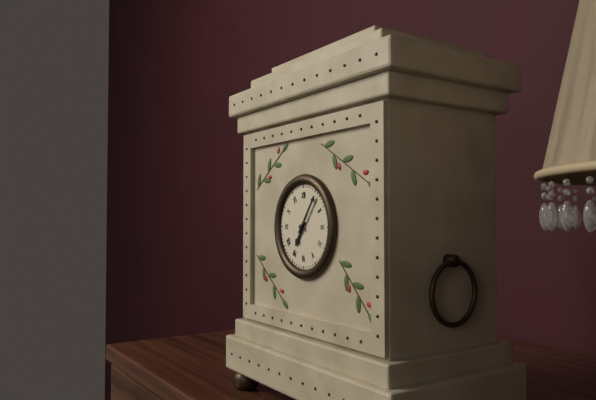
7:06
